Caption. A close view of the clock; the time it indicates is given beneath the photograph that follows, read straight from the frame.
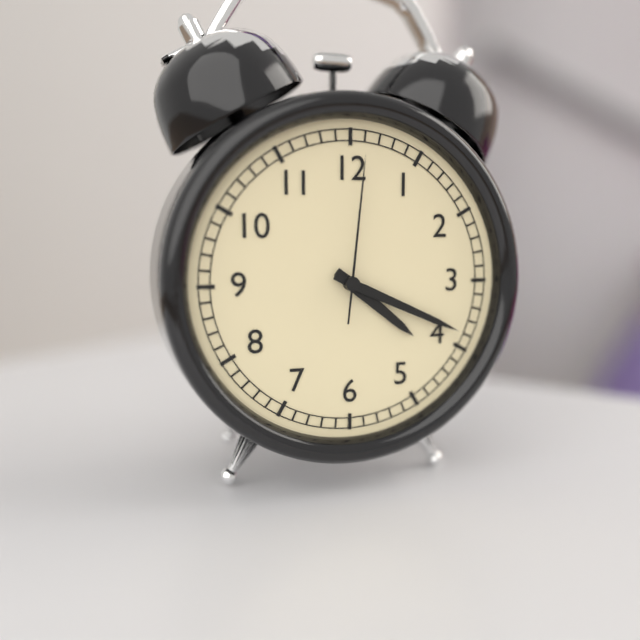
4:19:01
